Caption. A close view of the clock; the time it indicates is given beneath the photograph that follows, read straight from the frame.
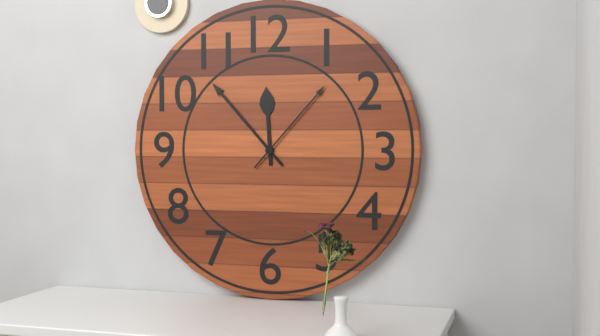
11:53:07
